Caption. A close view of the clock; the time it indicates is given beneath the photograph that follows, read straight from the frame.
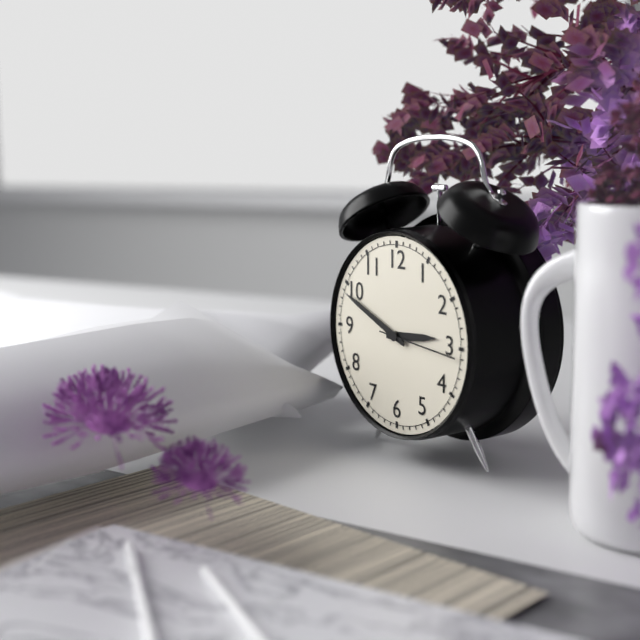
2:49:16
